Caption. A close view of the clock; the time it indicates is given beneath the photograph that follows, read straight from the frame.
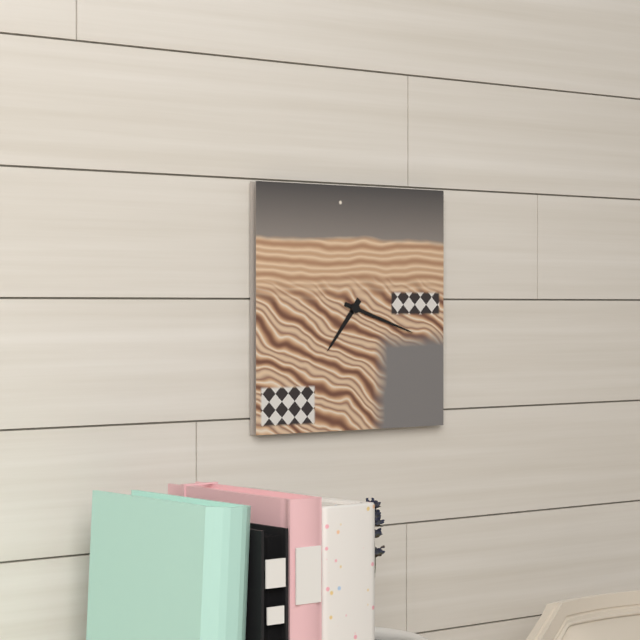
7:18
